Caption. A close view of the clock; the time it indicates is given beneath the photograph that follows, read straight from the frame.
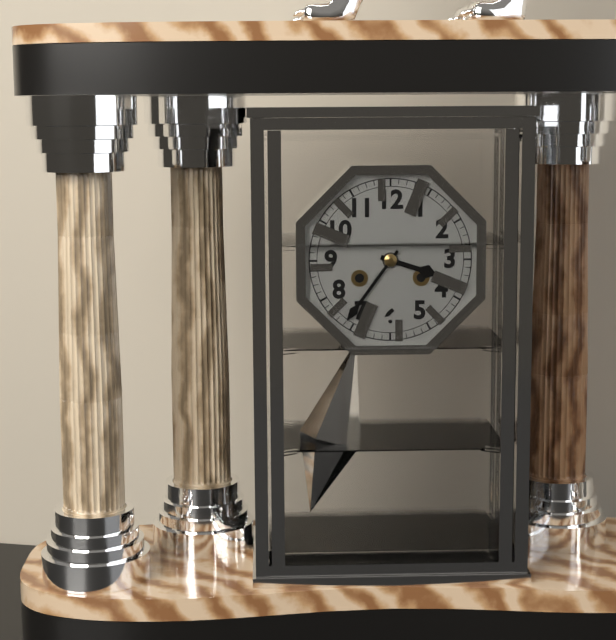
3:36
